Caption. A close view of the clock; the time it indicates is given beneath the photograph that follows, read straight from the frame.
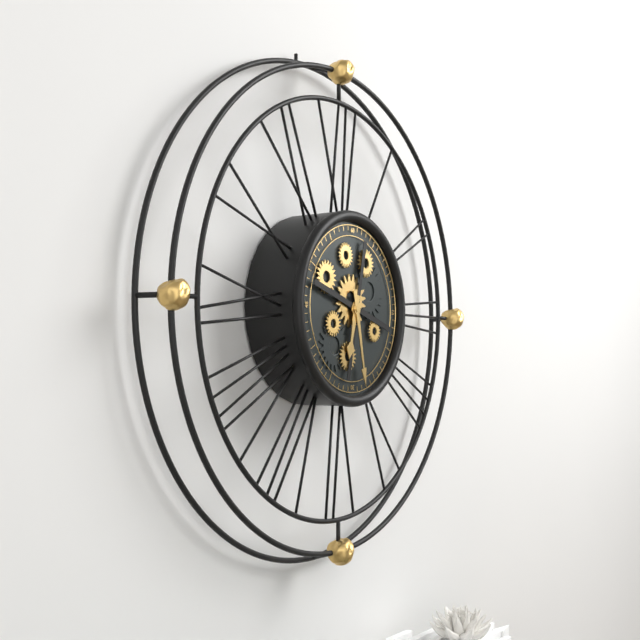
6:28
